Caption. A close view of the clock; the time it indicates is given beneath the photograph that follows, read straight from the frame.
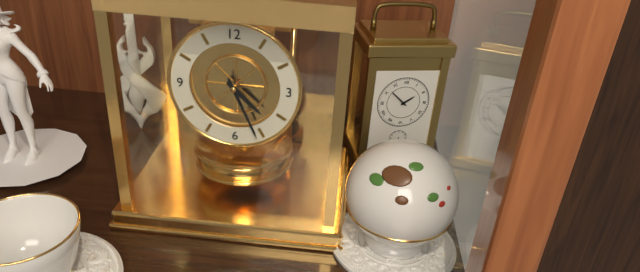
4:26
